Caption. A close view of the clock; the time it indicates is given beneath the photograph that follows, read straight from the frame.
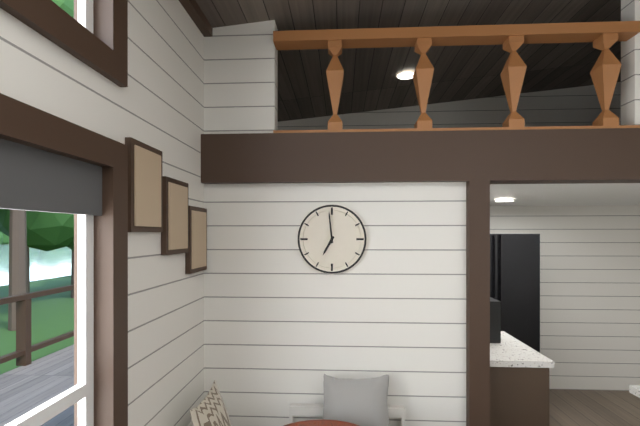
6:59
